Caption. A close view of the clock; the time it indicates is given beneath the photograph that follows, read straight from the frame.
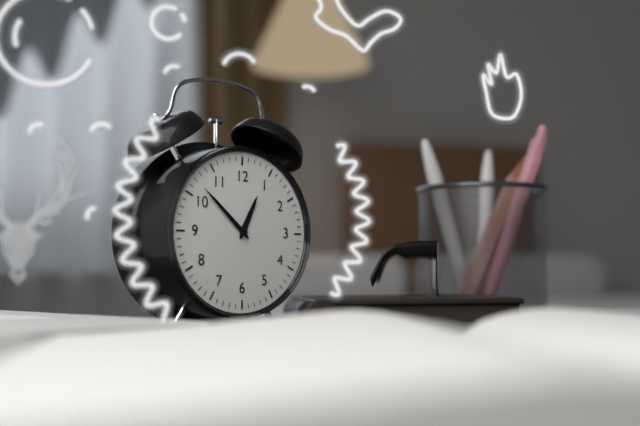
12:52
